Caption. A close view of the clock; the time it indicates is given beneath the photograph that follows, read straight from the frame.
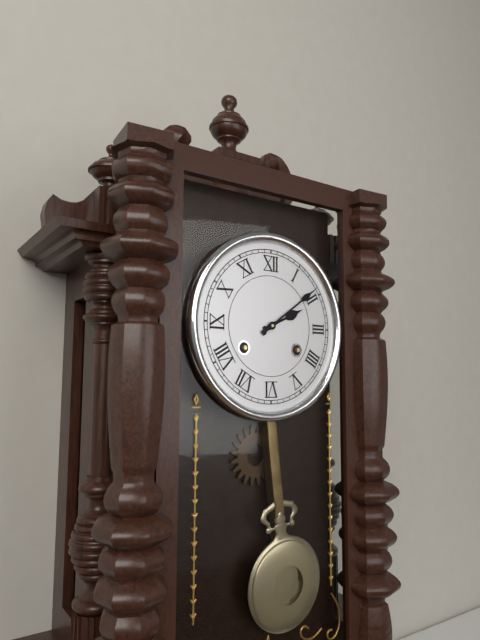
2:09
